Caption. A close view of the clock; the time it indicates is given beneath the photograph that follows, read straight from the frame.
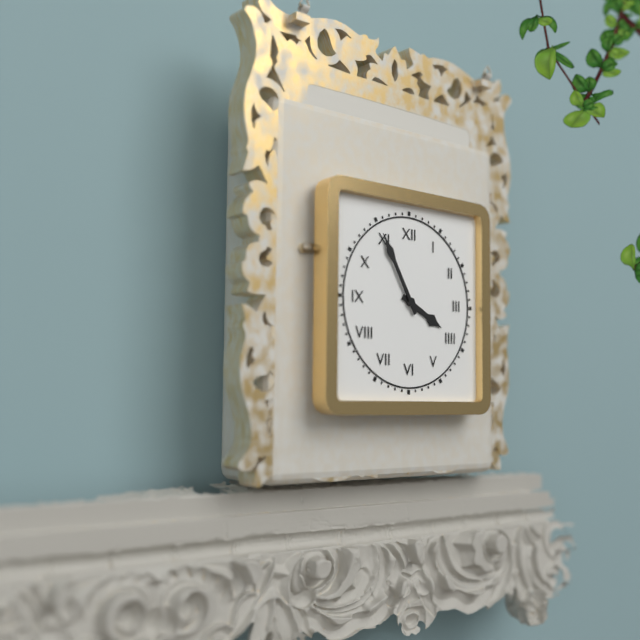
3:55
